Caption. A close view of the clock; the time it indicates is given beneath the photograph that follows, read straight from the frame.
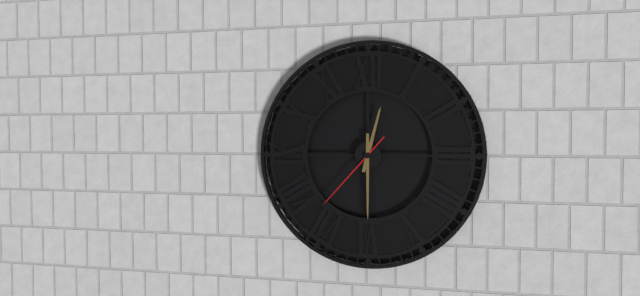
12:30:37
